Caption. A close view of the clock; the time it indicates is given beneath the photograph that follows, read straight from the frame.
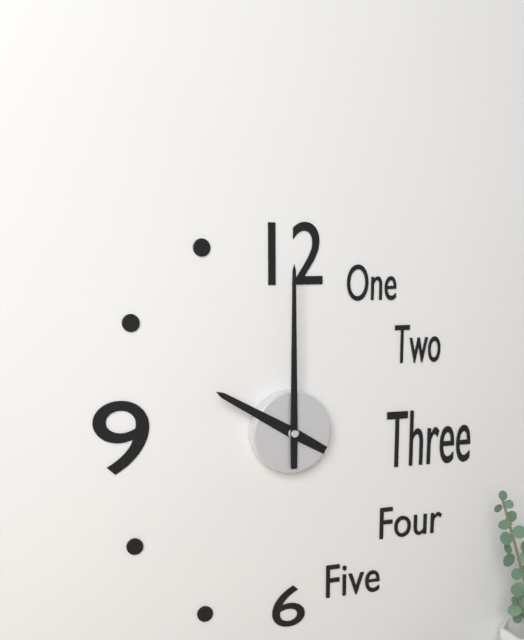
10:00
